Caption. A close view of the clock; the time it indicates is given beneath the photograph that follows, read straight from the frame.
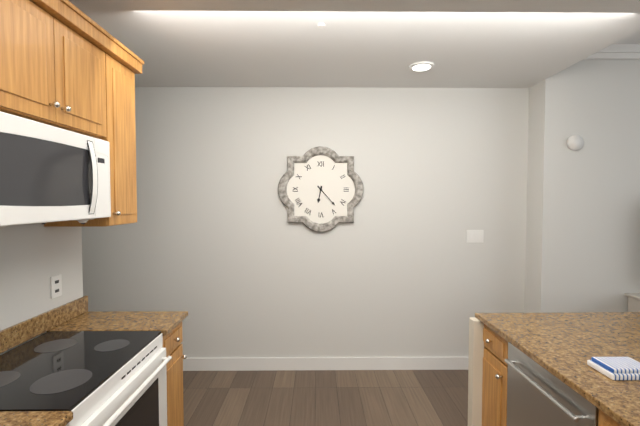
6:23
